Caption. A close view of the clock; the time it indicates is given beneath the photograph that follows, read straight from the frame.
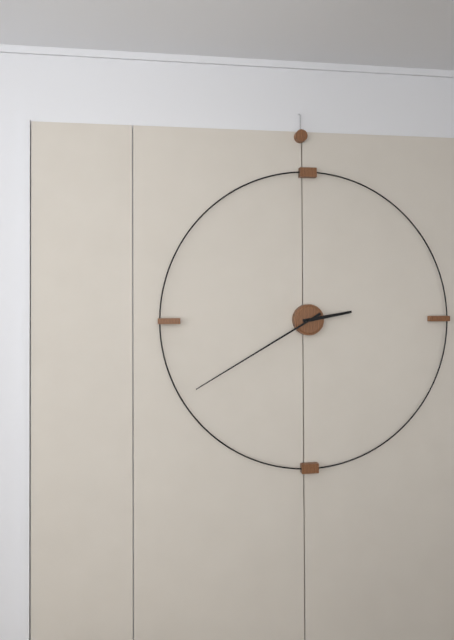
2:40
